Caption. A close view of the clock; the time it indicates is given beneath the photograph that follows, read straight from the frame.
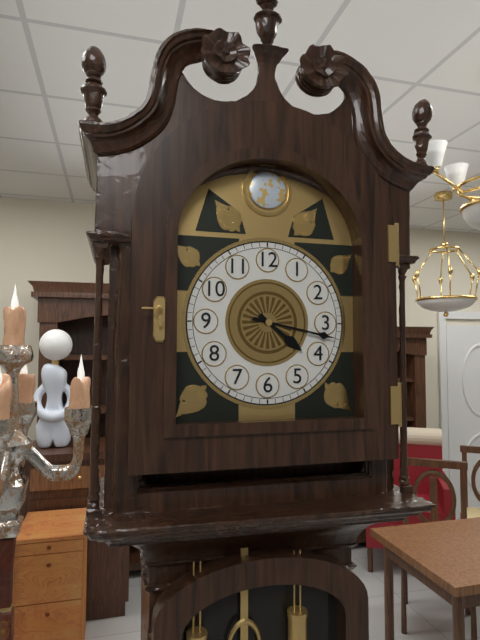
4:17
